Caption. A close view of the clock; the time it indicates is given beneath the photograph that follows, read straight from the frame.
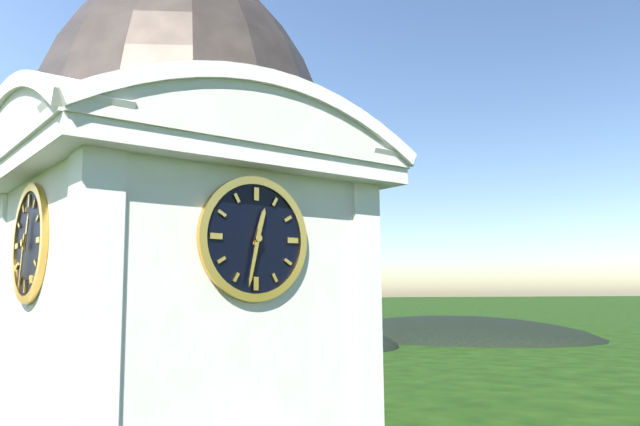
12:32
